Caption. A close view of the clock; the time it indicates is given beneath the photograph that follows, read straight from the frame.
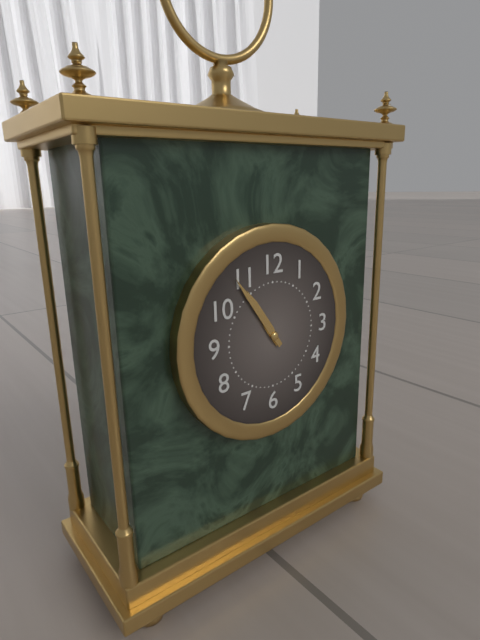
10:54
